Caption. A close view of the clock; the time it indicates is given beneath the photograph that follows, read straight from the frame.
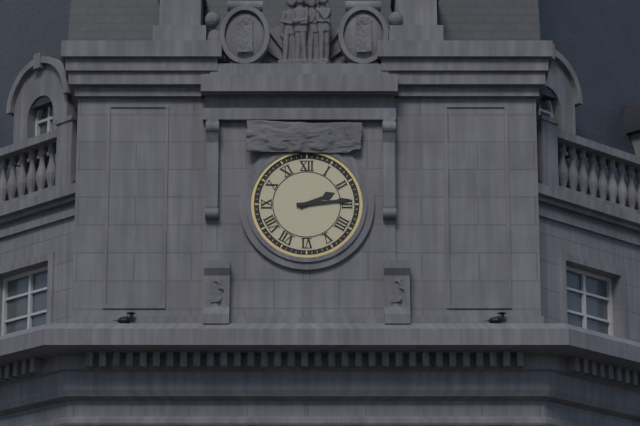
2:14
